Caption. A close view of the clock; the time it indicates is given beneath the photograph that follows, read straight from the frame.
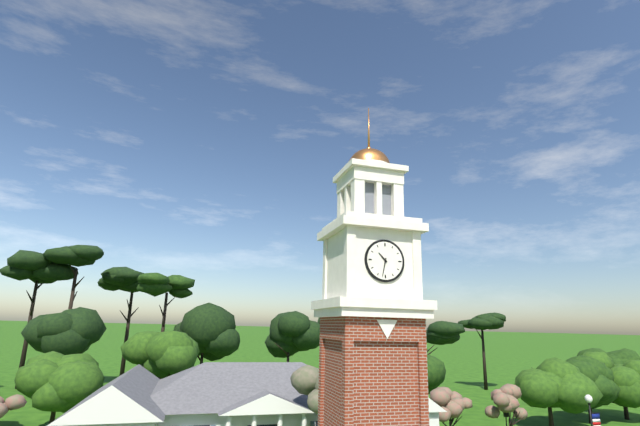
10:32
